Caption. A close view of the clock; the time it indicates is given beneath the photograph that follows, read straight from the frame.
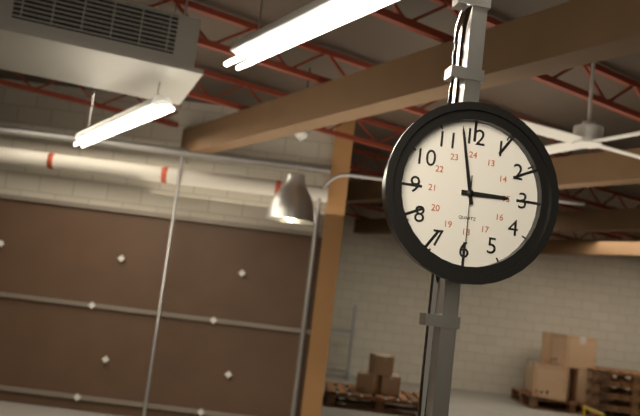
2:58:30
